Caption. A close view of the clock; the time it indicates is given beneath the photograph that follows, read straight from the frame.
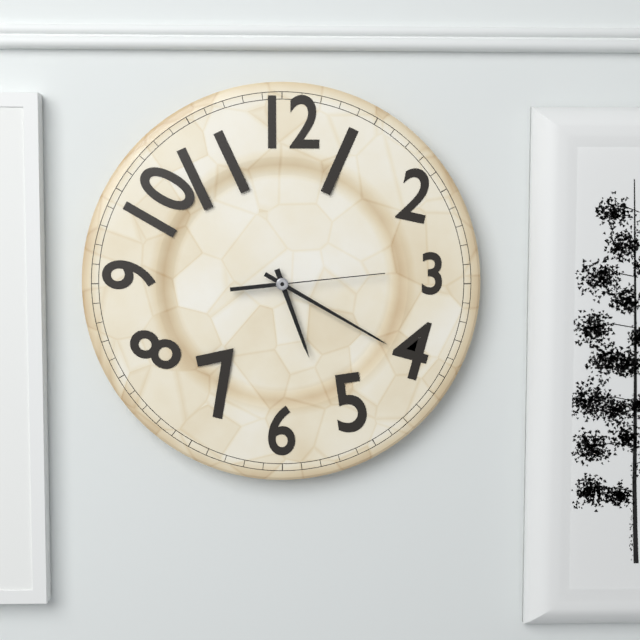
5:20:14
